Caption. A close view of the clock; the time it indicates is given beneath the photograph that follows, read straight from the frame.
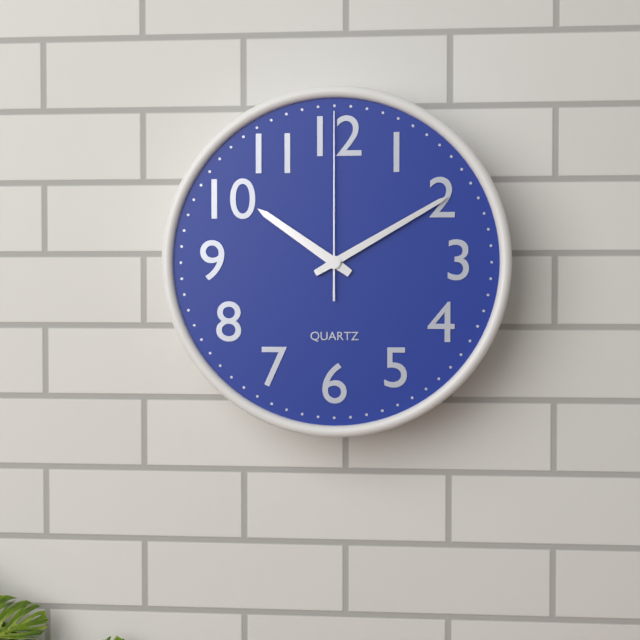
10:10:00
